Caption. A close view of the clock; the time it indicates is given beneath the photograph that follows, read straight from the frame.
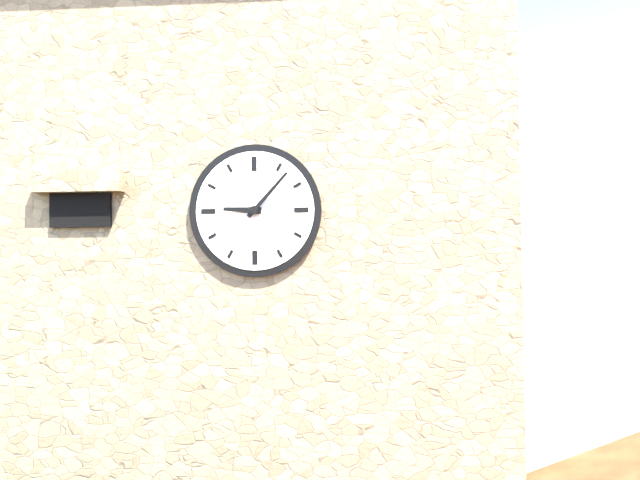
9:07
